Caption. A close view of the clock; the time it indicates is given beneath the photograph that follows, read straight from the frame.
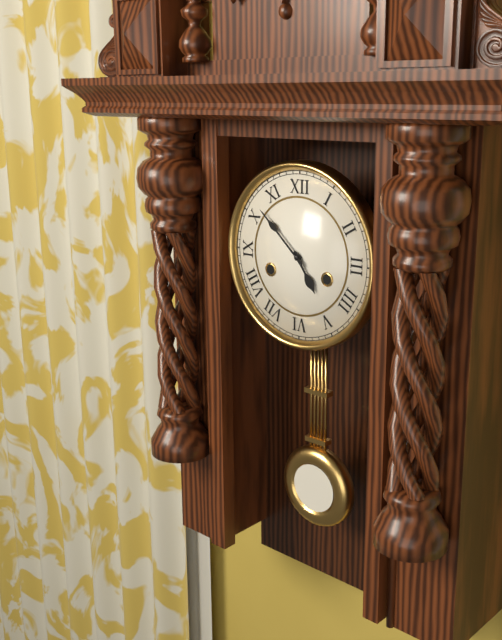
4:52
